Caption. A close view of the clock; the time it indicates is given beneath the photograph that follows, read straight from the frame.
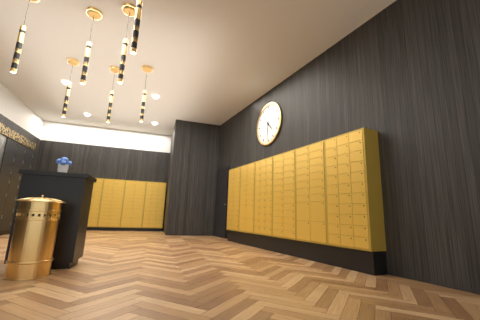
4:31
